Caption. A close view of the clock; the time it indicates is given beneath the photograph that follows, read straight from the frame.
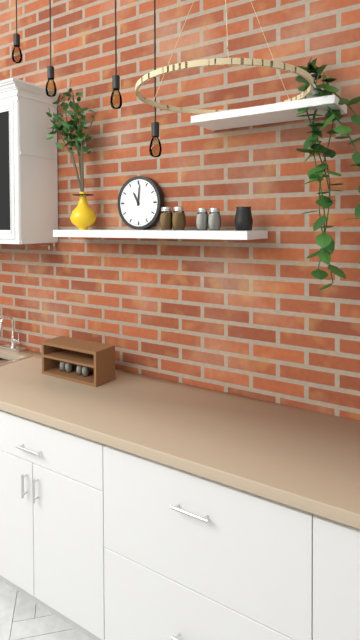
11:01
